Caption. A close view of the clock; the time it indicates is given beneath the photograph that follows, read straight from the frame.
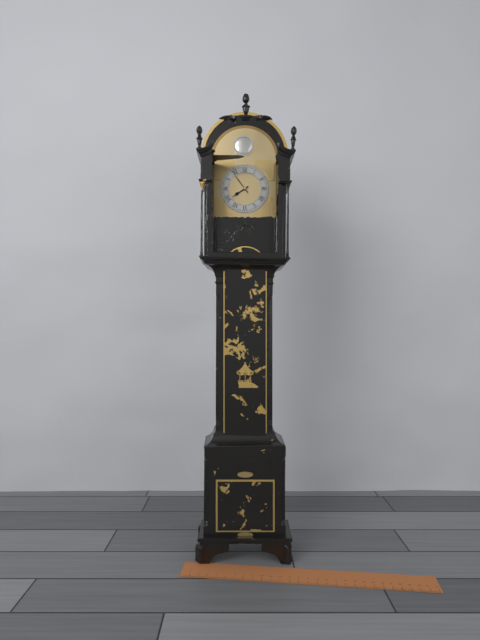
7:54
